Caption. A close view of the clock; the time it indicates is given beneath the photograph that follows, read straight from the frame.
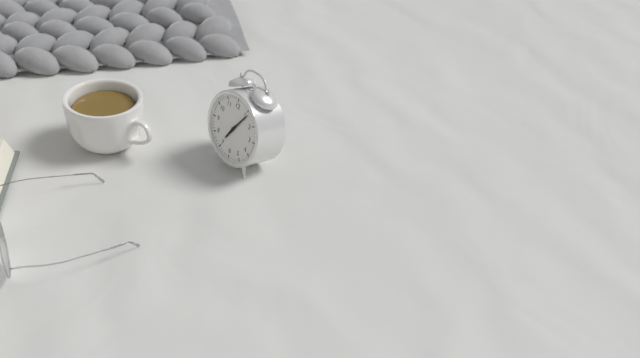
7:06
